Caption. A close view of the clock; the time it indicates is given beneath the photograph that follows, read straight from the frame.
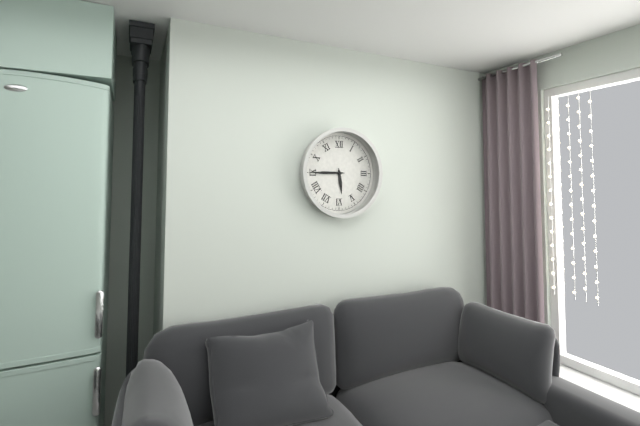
5:45
